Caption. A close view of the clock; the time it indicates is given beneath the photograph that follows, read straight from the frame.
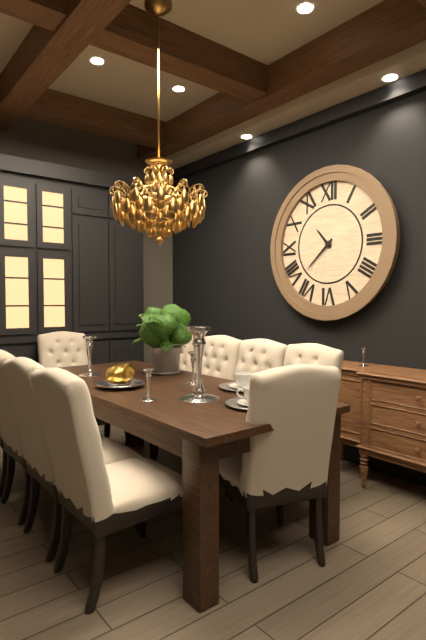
10:38
